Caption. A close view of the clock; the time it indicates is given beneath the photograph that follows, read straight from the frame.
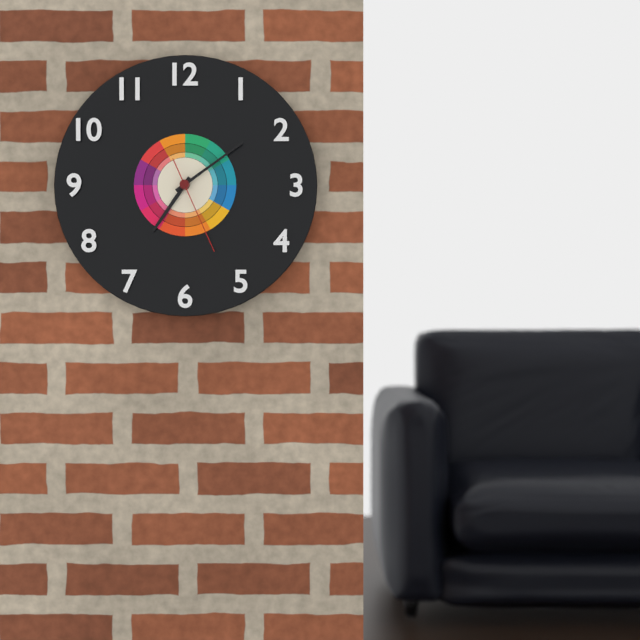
7:09:26
